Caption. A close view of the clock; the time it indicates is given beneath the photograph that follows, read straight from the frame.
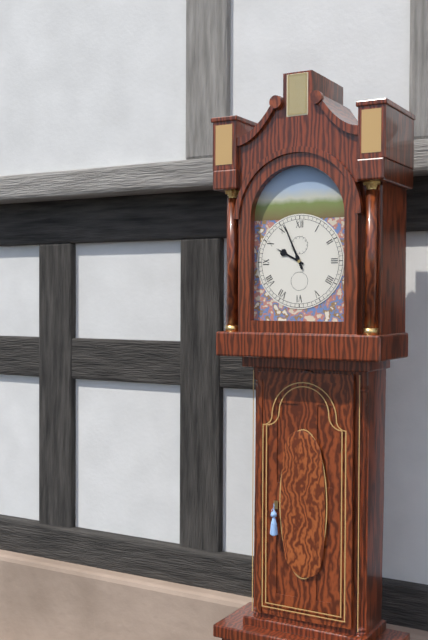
9:56
